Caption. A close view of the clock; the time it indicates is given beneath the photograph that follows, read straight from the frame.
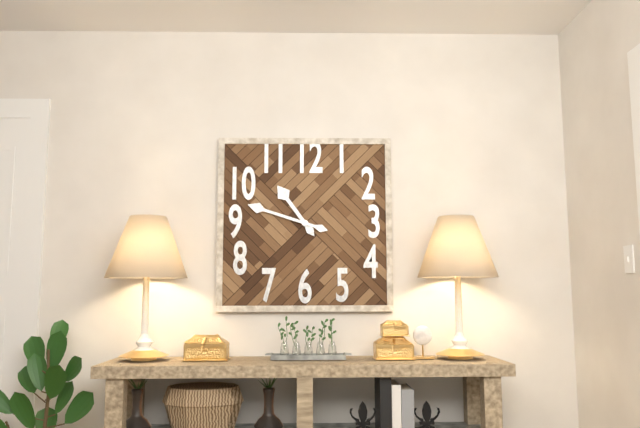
10:48
